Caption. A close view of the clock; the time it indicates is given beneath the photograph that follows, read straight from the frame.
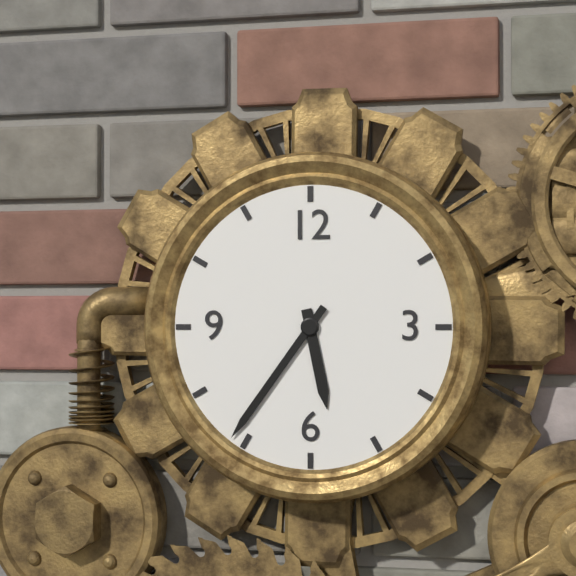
5:36
